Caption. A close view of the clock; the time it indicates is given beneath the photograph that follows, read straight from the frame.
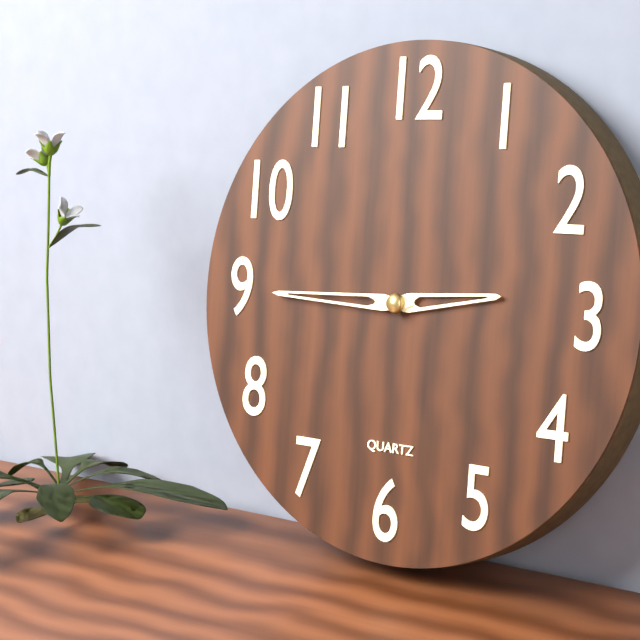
2:45
